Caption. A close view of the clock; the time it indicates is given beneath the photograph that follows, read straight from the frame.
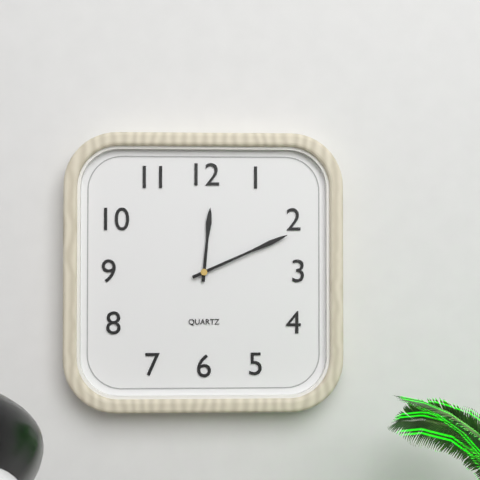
12:11
